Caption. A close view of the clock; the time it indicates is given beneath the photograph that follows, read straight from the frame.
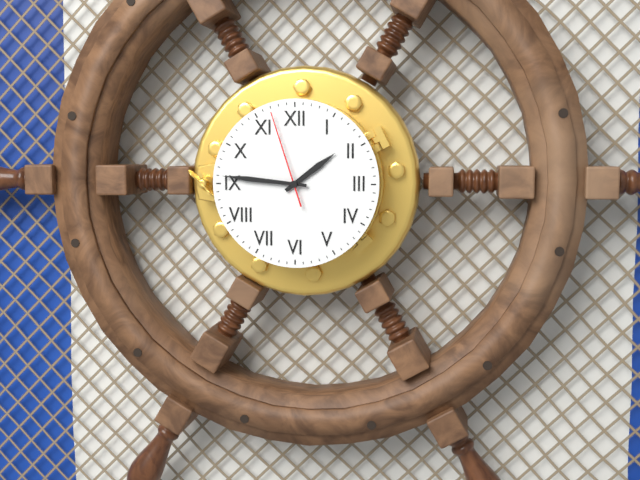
1:46:57
